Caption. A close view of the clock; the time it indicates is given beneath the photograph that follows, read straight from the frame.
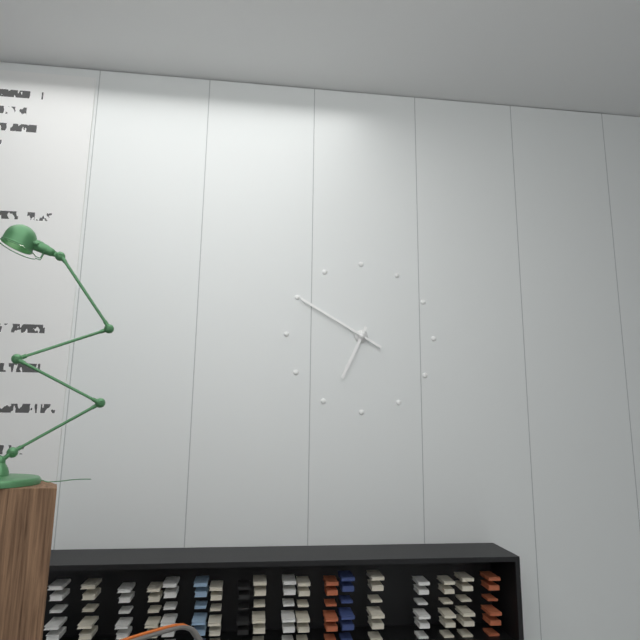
6:50
